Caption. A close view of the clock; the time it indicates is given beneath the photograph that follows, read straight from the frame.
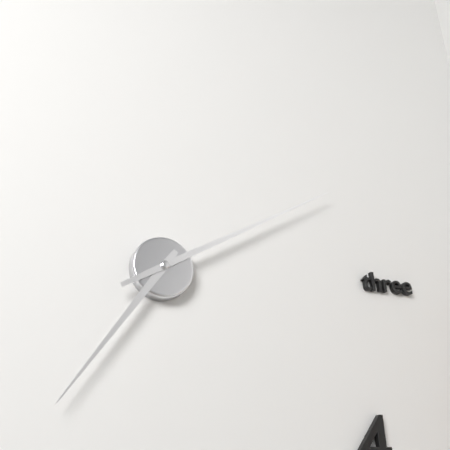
7:10
